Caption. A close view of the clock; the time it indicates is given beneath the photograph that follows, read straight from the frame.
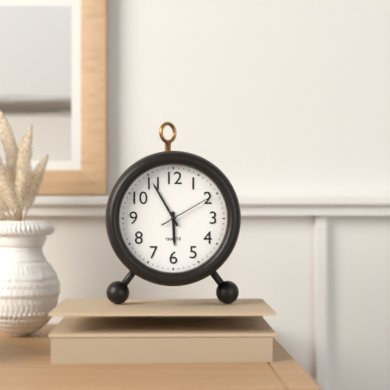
5:55:10
